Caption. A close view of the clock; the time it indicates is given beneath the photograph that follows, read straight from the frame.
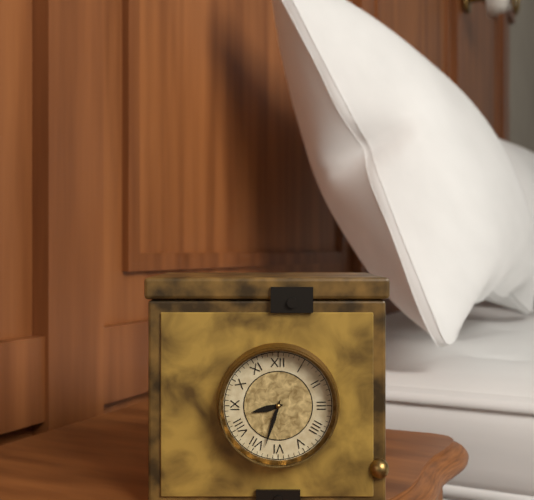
8:33
